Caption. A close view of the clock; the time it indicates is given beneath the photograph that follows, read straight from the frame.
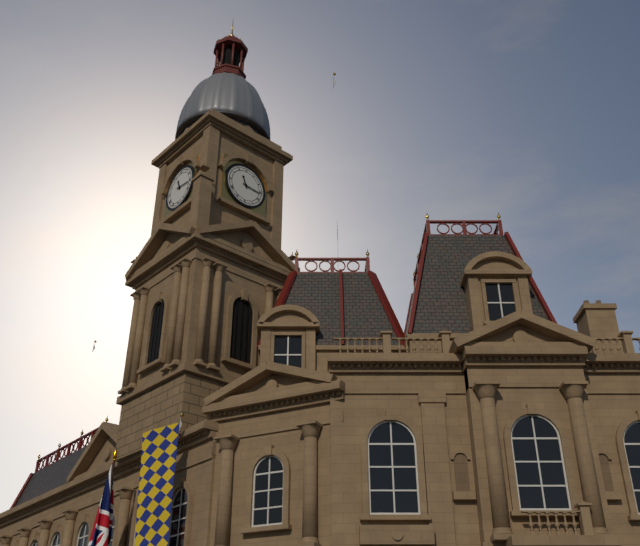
11:16
